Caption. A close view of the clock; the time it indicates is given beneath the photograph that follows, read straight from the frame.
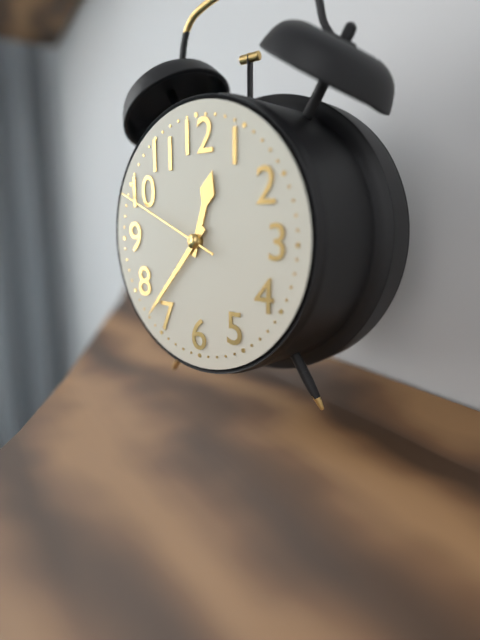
12:37:49
